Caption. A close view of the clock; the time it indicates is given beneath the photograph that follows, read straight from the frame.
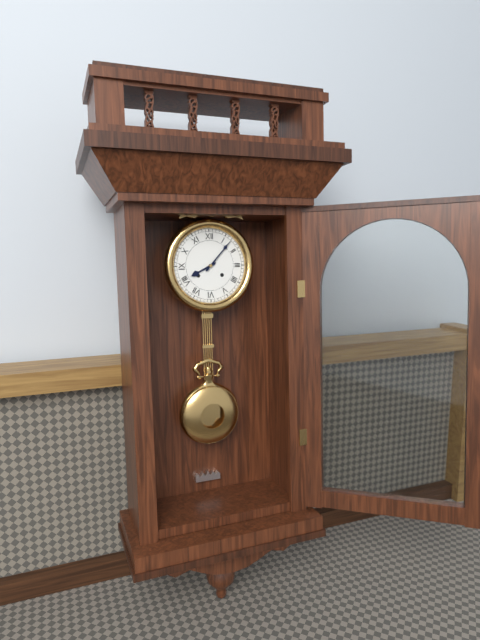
8:07
